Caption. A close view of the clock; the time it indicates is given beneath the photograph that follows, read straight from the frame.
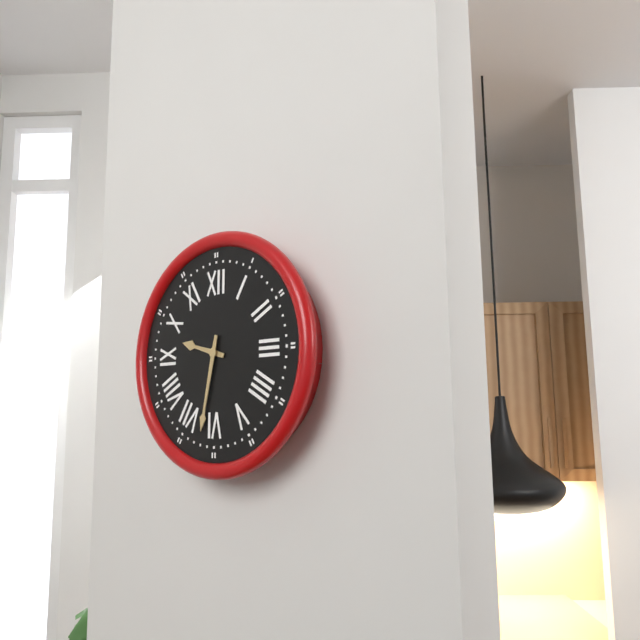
9:32
